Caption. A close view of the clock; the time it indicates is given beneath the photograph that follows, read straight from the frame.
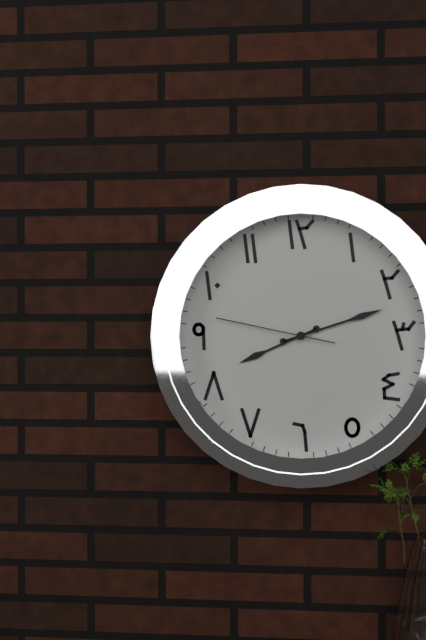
8:12:47
